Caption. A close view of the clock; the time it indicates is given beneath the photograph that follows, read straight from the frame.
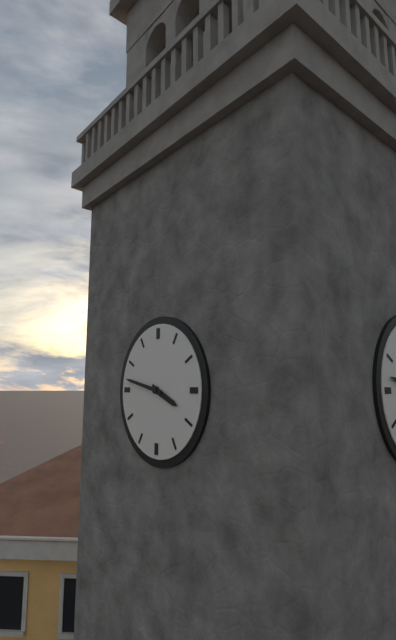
3:47
